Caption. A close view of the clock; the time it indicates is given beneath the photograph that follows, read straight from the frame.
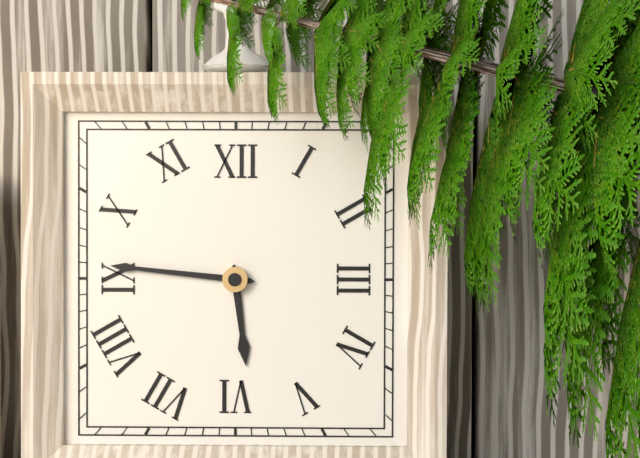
5:46
